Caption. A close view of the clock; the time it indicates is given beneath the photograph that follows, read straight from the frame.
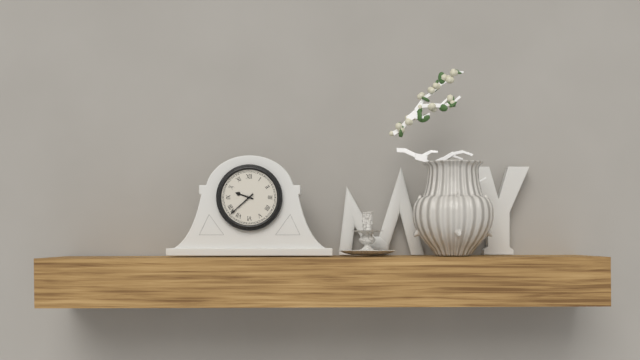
9:38
